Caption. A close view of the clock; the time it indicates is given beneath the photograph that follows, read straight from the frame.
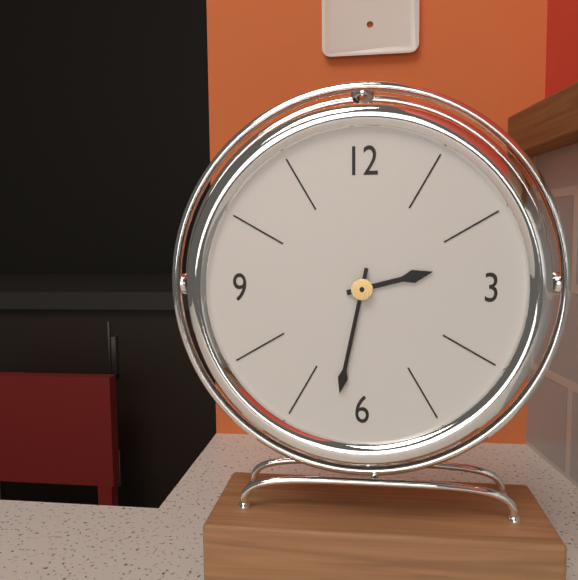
2:32
